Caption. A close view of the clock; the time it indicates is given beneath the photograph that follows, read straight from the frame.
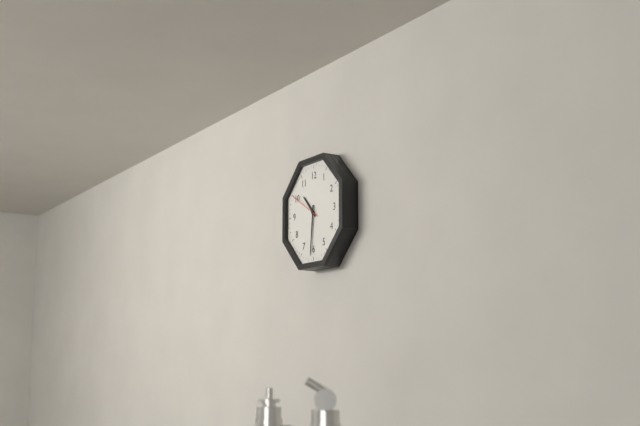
10:31
